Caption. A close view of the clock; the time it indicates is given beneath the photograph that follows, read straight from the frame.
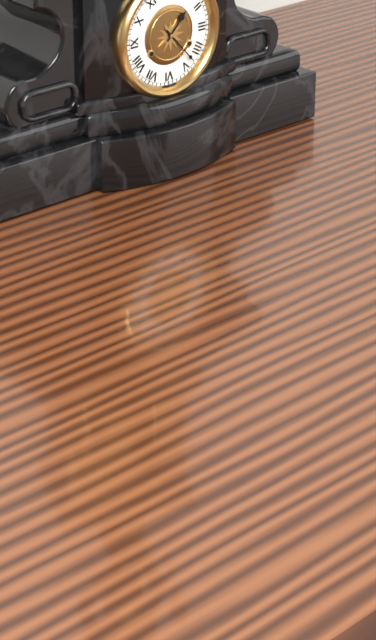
1:23
